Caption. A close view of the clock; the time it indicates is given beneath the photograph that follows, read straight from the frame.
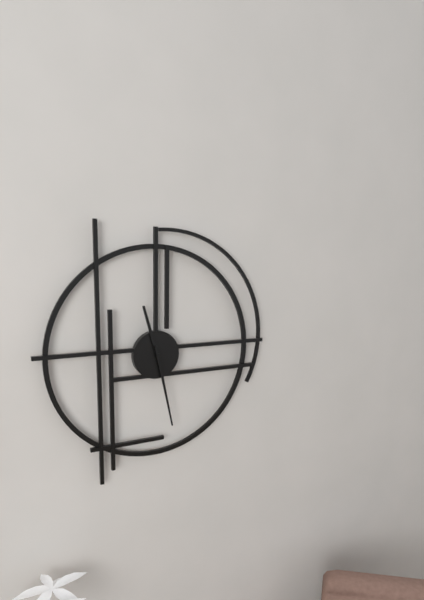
11:28
